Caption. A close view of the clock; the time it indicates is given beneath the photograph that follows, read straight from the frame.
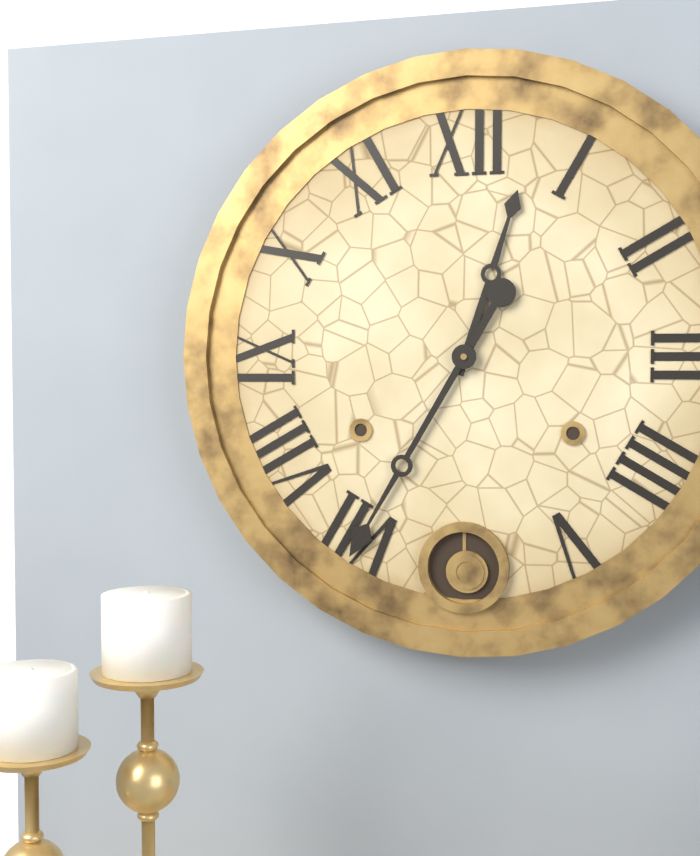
12:35
